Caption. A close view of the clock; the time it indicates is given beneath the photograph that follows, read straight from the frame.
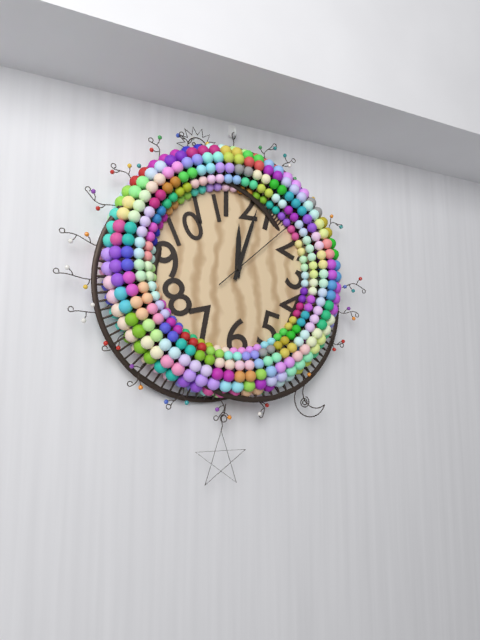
12:03:08
